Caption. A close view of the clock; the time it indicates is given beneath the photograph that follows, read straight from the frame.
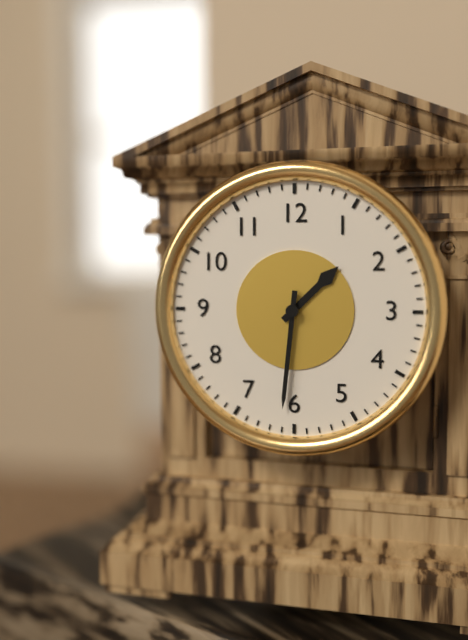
1:31
